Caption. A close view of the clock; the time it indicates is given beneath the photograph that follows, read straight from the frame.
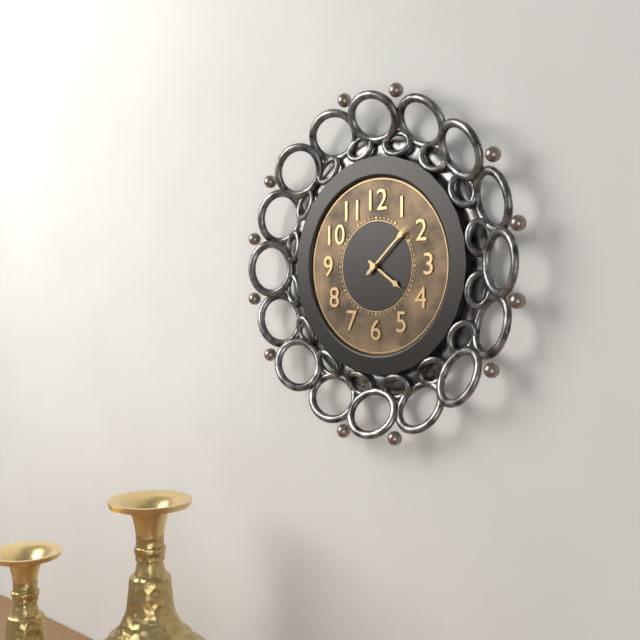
4:08
